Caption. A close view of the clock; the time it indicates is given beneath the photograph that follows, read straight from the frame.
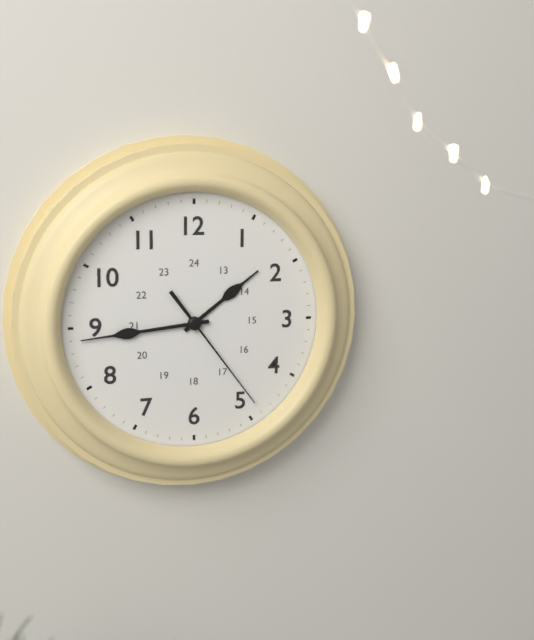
1:44:24
